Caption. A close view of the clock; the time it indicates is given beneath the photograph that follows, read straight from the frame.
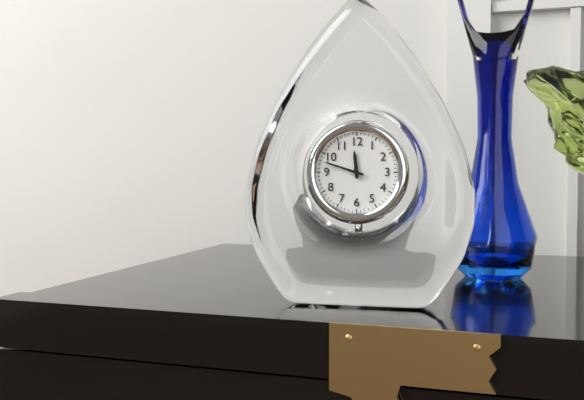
11:48
